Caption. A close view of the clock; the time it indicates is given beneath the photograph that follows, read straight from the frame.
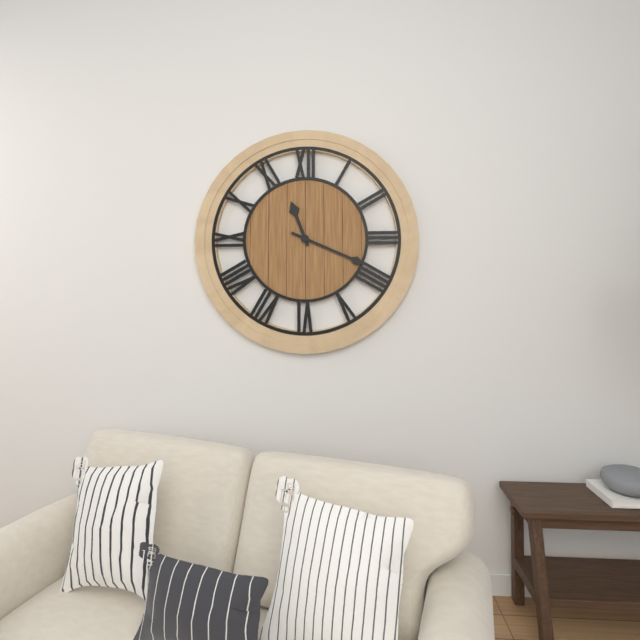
11:19
